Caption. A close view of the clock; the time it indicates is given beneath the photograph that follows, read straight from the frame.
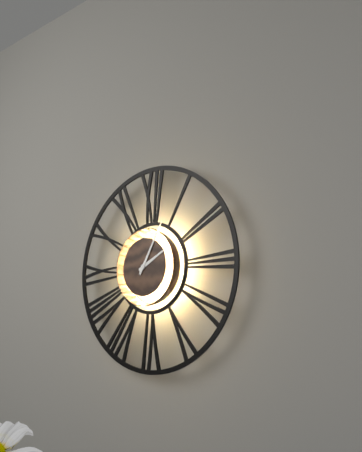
2:05
